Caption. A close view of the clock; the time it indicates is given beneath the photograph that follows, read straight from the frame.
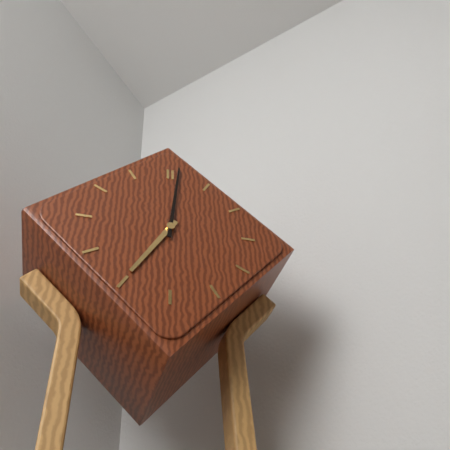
7:01
